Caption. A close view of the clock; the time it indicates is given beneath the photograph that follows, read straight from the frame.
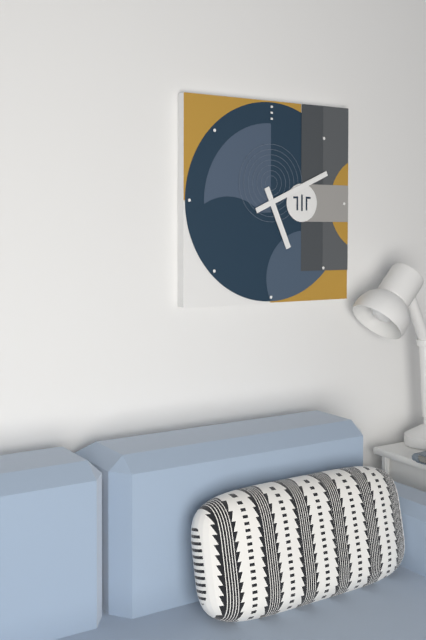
5:11
